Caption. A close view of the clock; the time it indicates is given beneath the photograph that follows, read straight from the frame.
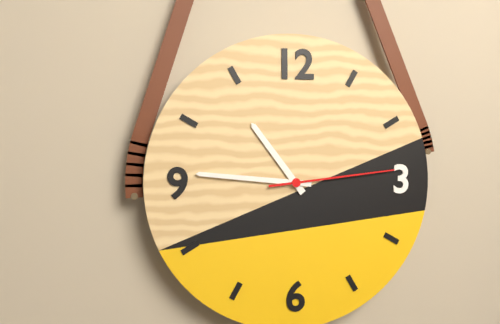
10:46:14
